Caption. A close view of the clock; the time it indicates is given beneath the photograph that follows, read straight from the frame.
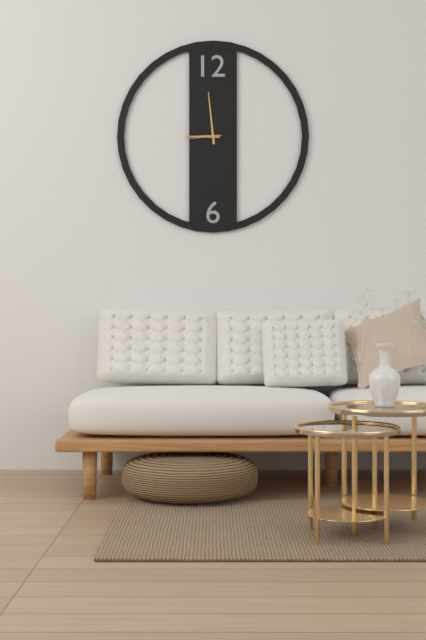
8:59
